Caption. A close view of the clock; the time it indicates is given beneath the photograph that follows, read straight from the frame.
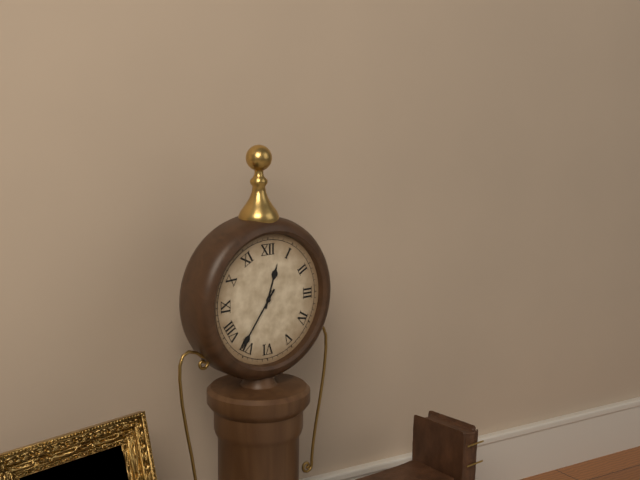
12:36
